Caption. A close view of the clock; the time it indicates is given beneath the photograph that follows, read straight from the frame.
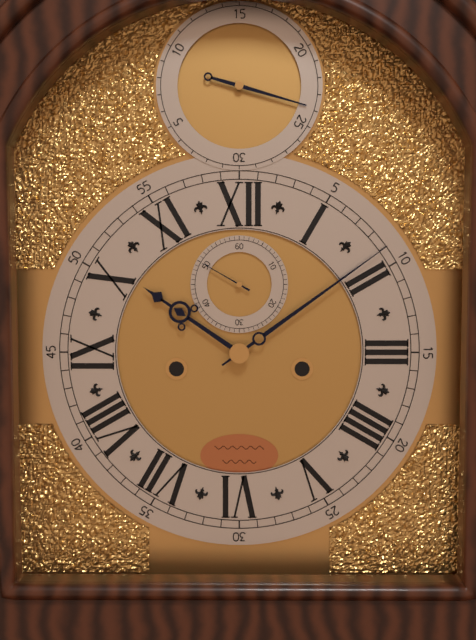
10:09:50
